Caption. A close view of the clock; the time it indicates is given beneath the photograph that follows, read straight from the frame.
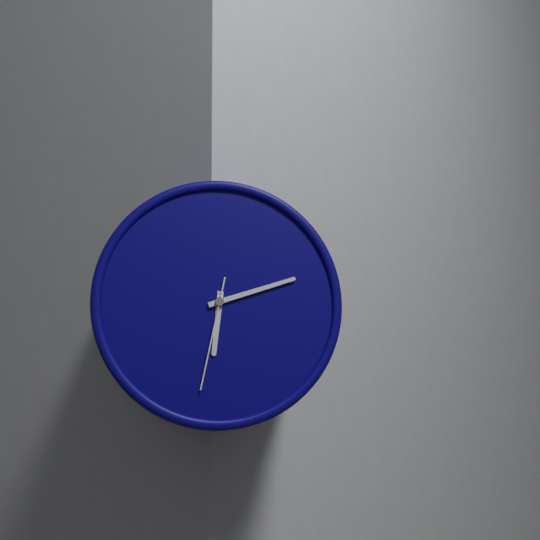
6:12:32
